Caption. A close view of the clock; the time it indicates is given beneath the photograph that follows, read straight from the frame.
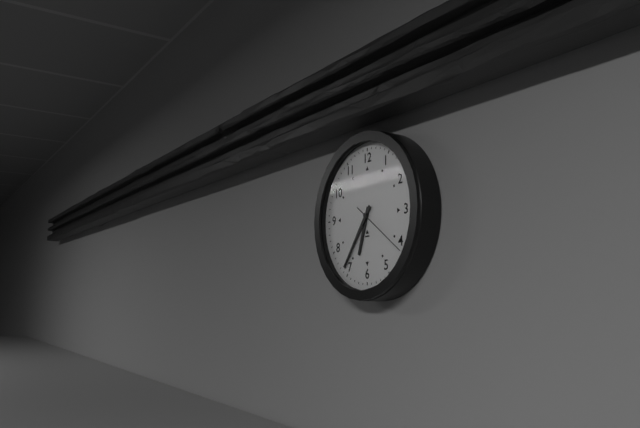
6:36:21
